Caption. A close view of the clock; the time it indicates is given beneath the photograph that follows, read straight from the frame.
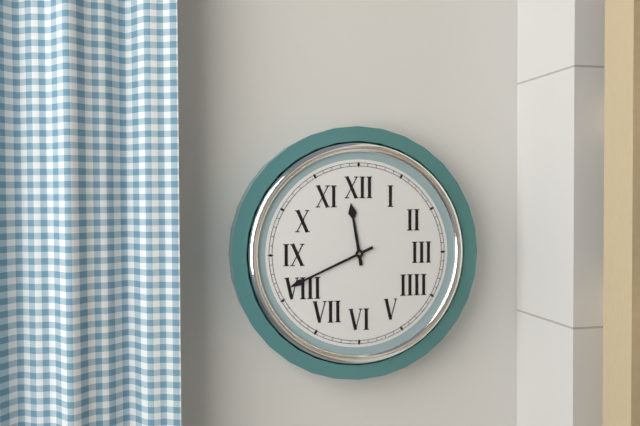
11:41
